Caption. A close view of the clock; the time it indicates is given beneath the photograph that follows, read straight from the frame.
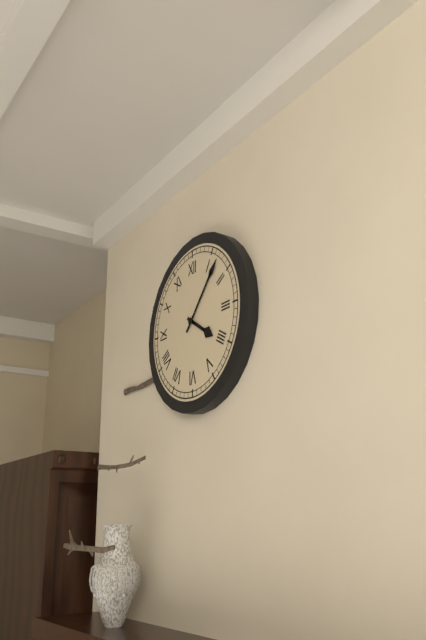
4:07
